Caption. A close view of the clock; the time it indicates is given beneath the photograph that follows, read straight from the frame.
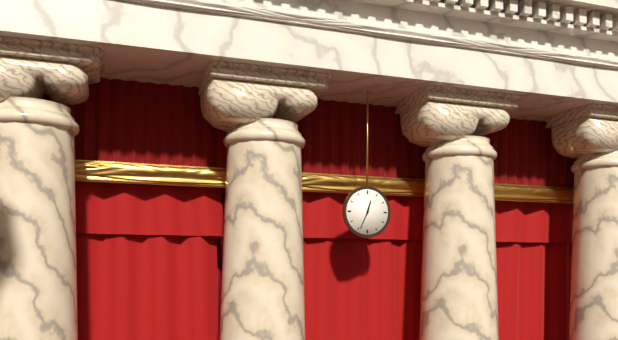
12:34
